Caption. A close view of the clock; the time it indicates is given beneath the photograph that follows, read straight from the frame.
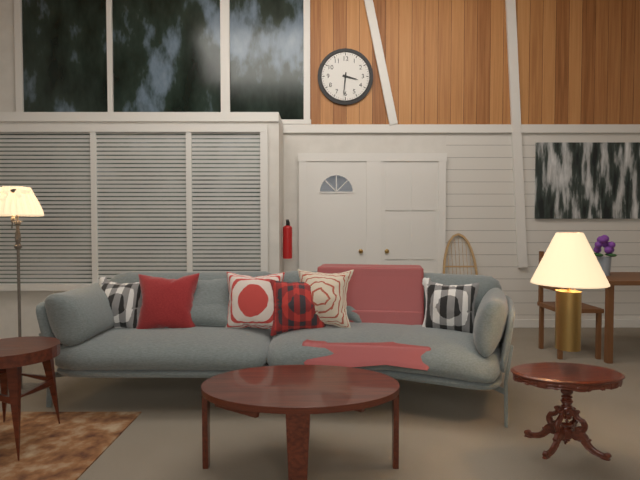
3:31
